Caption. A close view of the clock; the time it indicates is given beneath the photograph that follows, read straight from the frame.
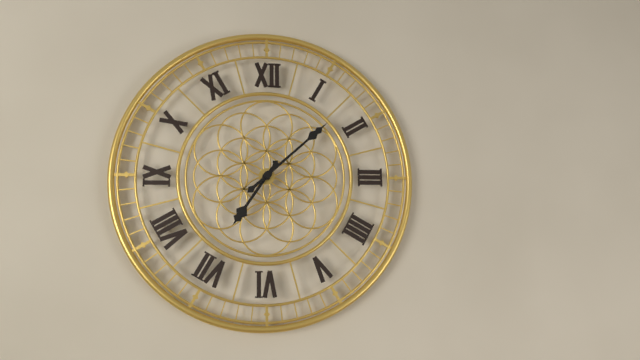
7:08
